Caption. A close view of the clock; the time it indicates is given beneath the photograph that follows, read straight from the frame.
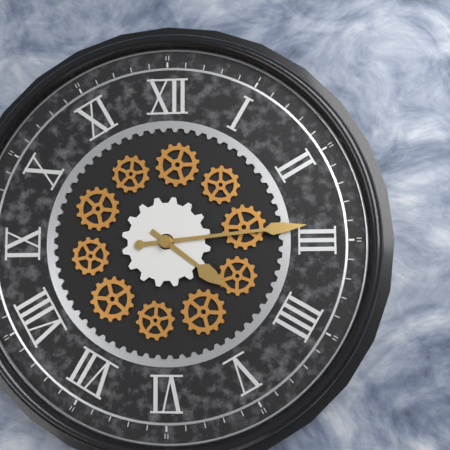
4:14
